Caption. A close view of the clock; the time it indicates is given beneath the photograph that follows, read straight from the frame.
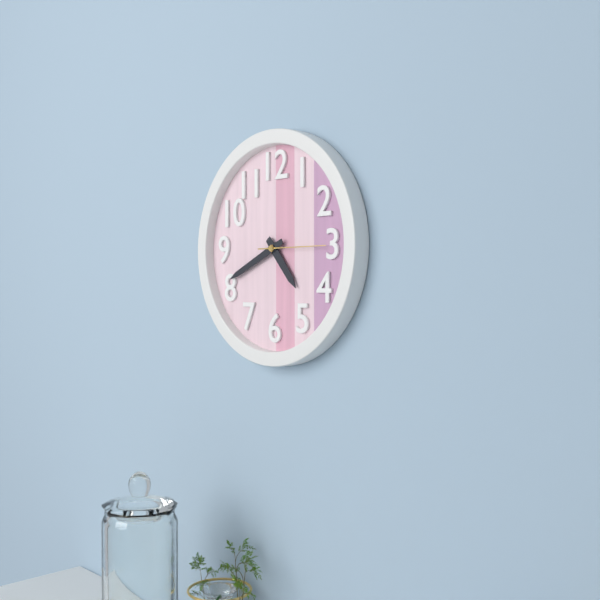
4:41:15
